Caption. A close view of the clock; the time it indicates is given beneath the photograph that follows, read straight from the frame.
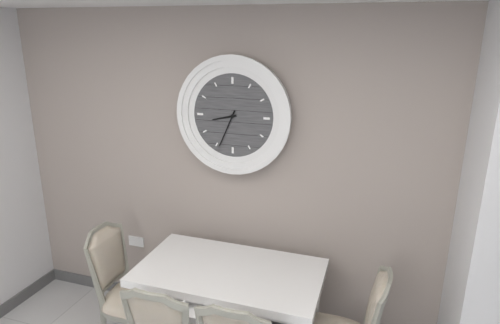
8:34
